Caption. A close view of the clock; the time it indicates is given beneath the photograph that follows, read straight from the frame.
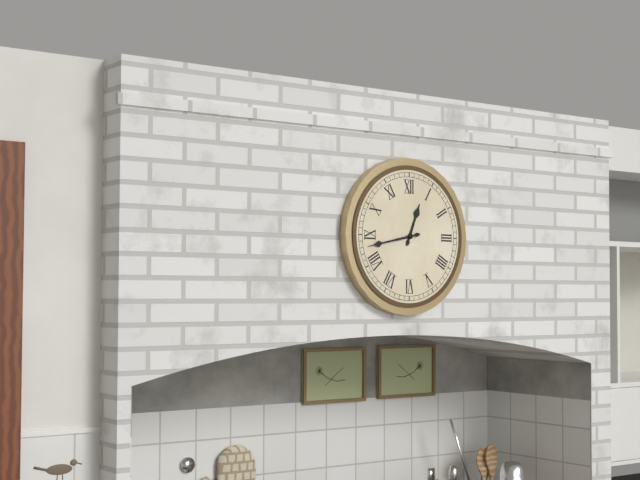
12:43
